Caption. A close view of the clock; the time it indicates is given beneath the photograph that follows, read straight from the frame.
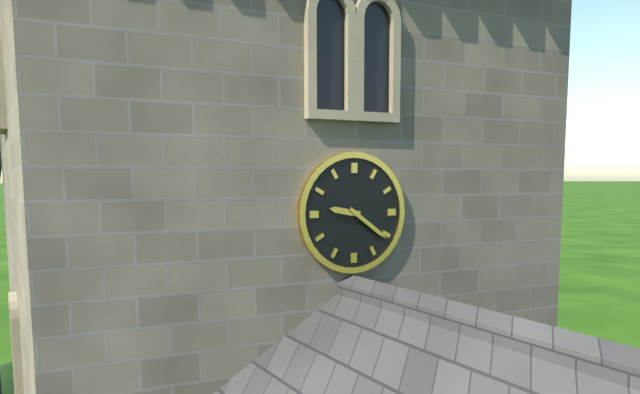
9:21
